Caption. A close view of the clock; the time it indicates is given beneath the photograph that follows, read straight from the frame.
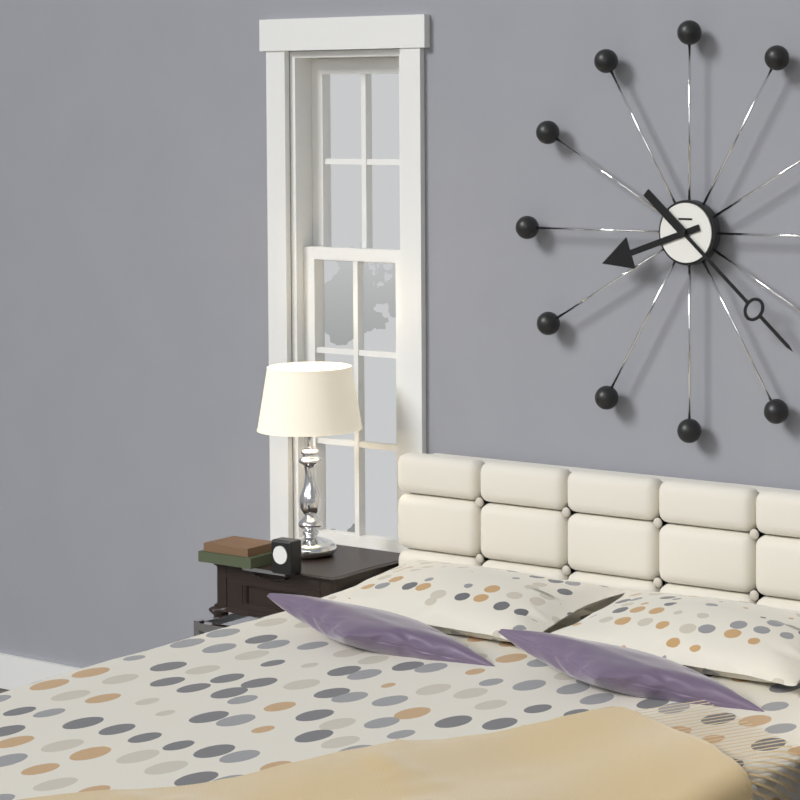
8:22
